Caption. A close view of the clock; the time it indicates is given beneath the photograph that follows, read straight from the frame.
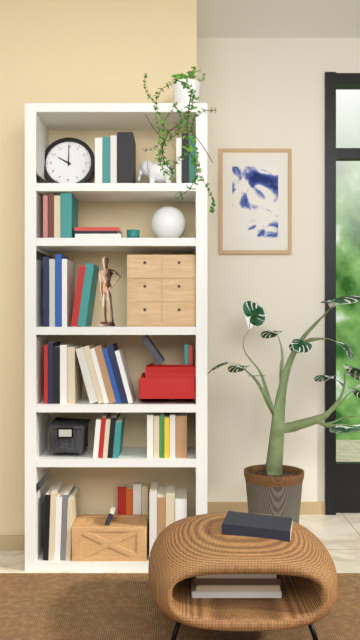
10:00
